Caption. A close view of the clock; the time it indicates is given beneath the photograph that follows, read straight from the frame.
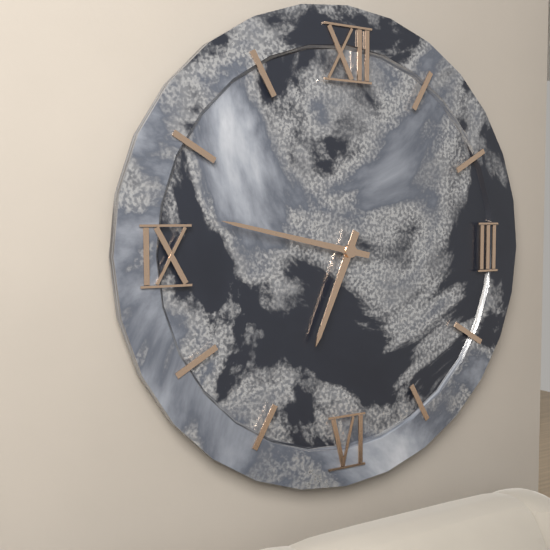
6:47
